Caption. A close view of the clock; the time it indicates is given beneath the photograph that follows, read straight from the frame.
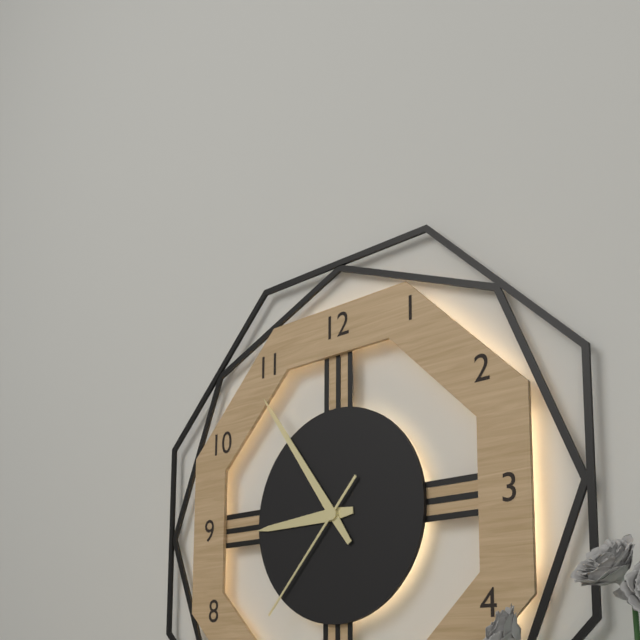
8:54:37
